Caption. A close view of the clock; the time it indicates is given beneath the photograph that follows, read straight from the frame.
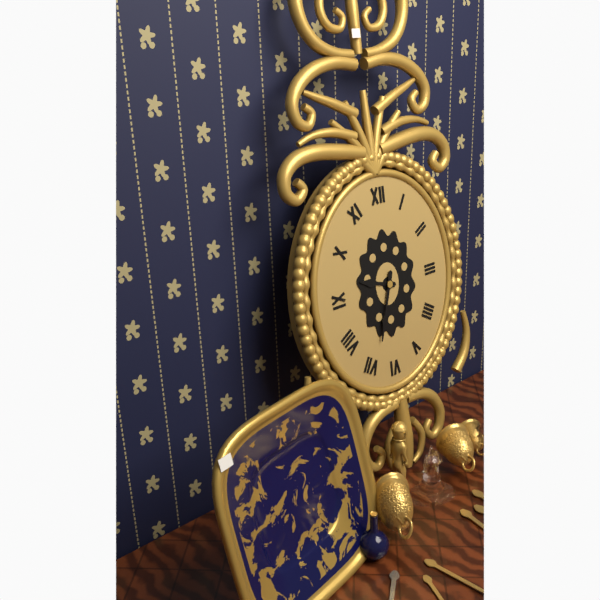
9:33
